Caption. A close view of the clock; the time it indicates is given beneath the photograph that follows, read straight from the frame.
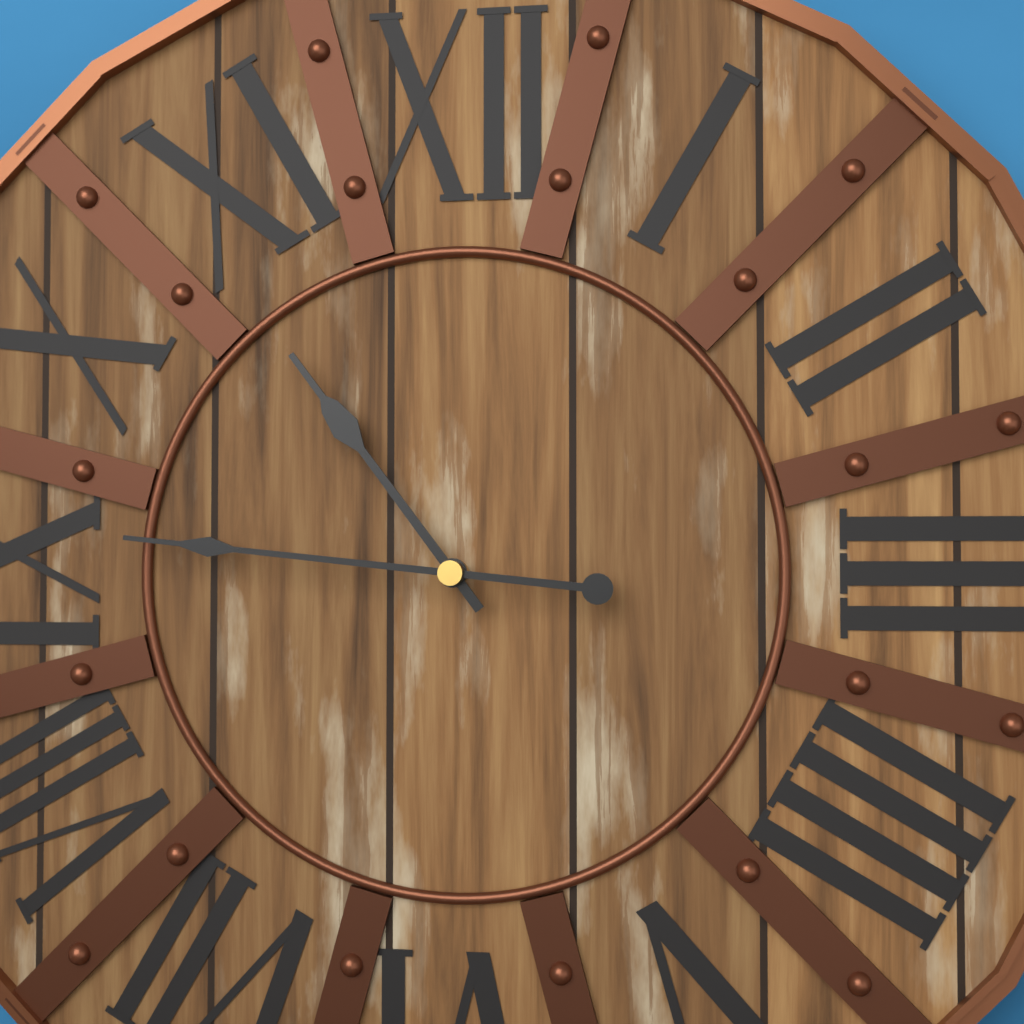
10:46
